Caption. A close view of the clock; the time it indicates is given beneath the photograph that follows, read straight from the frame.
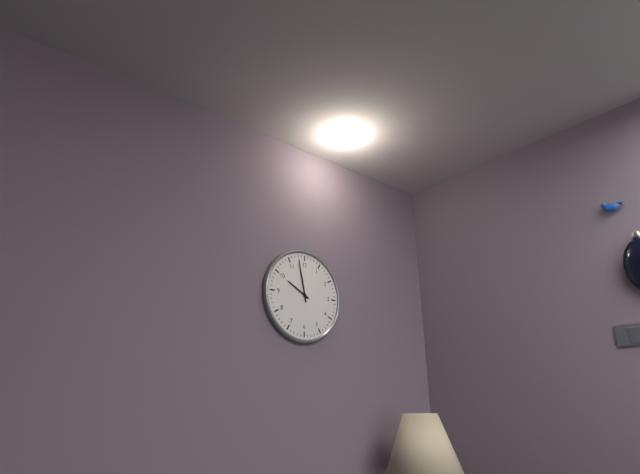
9:58
